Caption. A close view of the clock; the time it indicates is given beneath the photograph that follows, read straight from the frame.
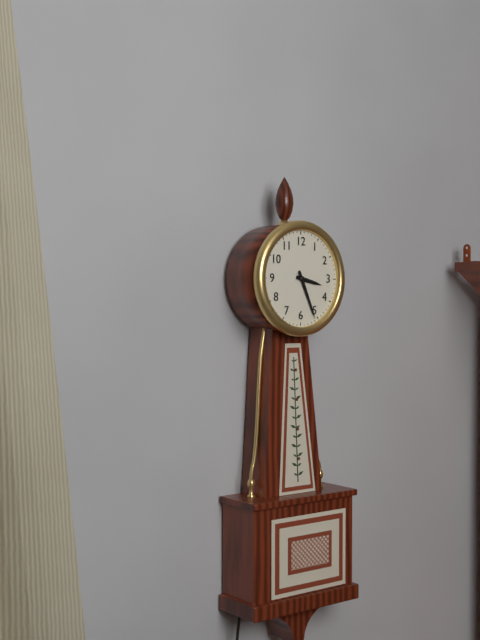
3:26
